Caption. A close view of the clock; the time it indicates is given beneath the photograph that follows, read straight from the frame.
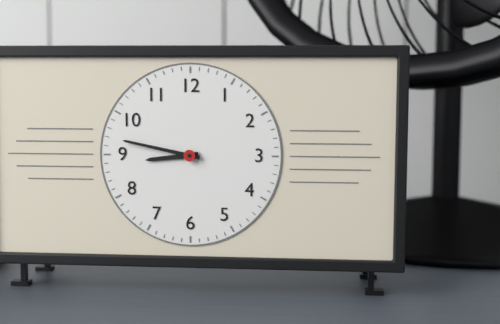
8:47
